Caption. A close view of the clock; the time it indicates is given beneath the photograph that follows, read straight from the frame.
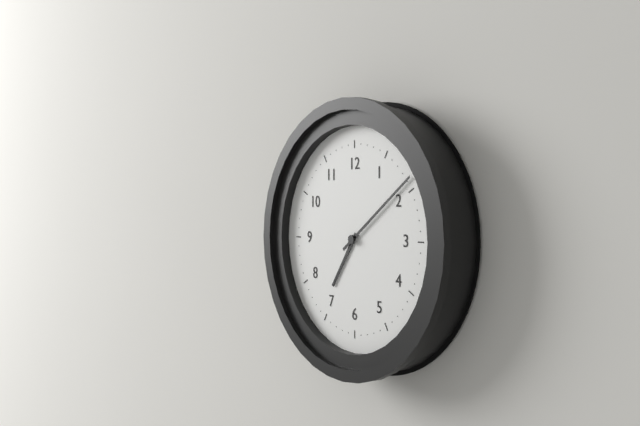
7:09
